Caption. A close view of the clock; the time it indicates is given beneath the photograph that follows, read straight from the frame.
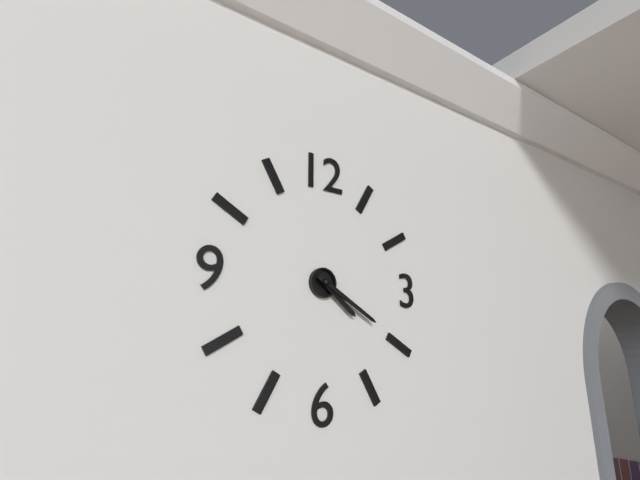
4:20
